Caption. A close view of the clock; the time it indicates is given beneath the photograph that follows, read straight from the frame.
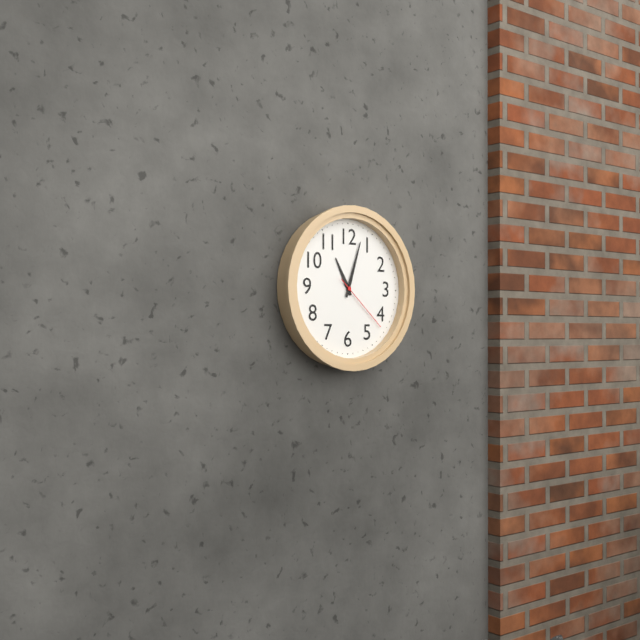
11:03:22
